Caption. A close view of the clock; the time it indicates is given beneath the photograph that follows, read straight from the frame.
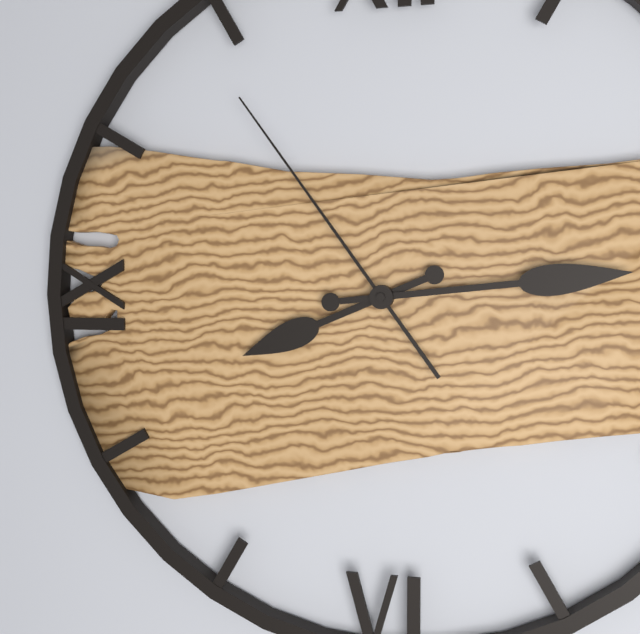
8:14:54
